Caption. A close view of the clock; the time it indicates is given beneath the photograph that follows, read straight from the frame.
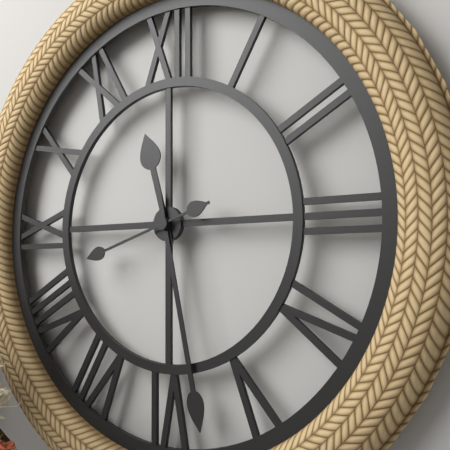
11:28:42
